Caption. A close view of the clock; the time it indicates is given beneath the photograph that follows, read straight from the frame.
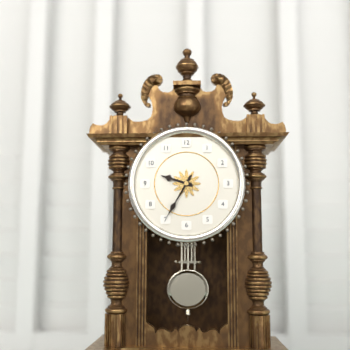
9:35
